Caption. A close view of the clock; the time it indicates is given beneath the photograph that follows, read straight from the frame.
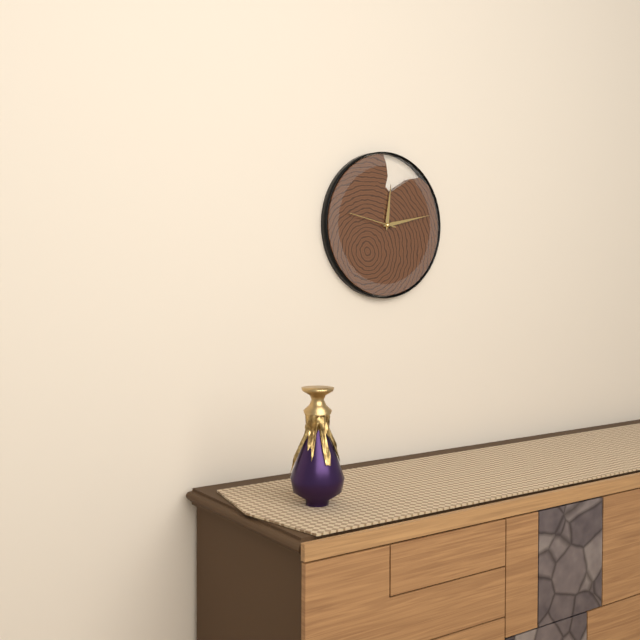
12:13:47
